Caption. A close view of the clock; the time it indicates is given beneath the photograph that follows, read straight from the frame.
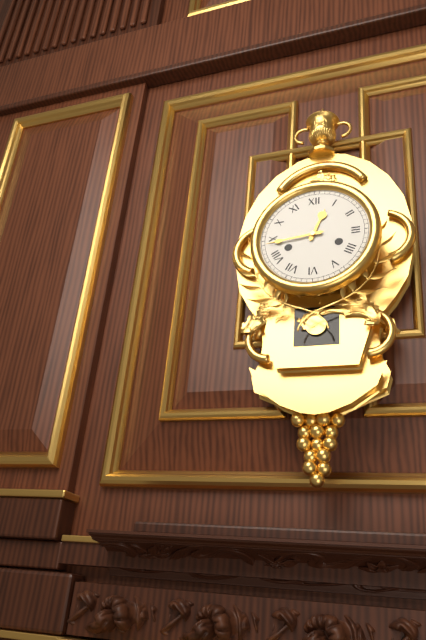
12:44
